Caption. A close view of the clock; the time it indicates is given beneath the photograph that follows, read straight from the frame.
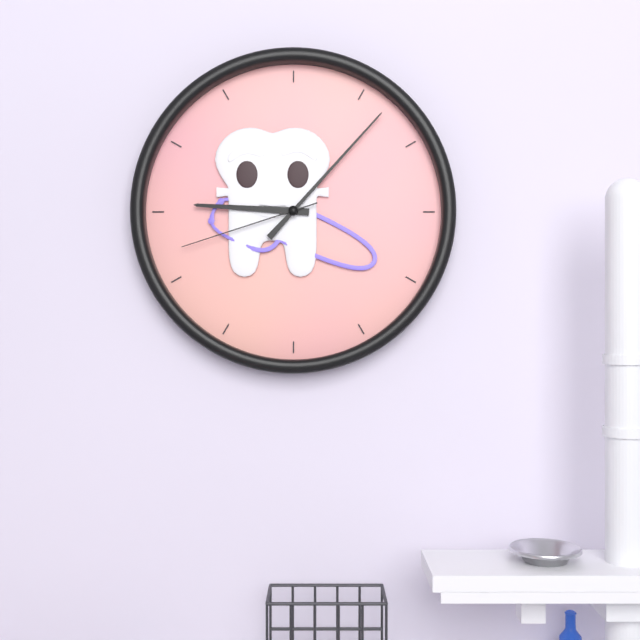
9:07:42
